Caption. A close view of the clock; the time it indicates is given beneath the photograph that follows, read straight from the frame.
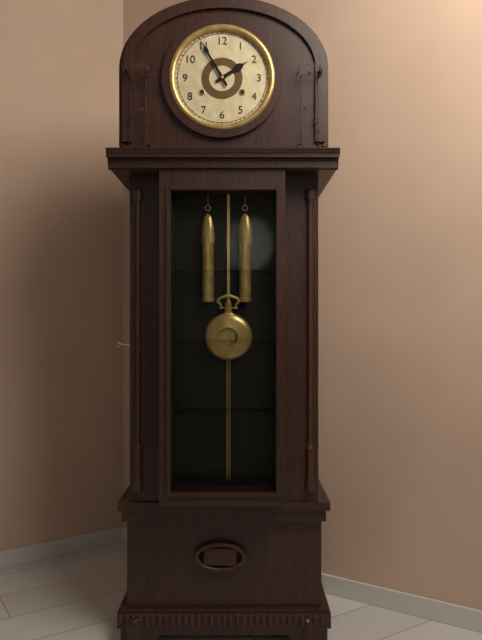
1:55
